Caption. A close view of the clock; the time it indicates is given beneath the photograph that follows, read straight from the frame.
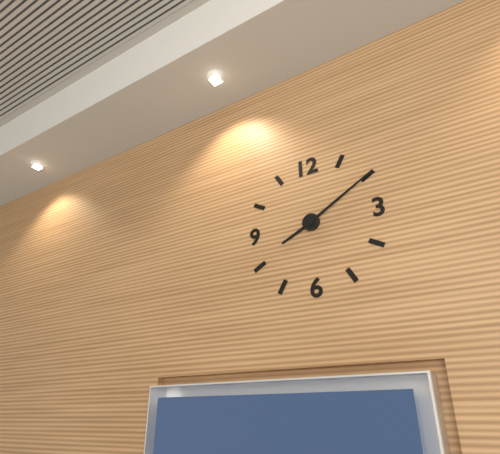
8:10
